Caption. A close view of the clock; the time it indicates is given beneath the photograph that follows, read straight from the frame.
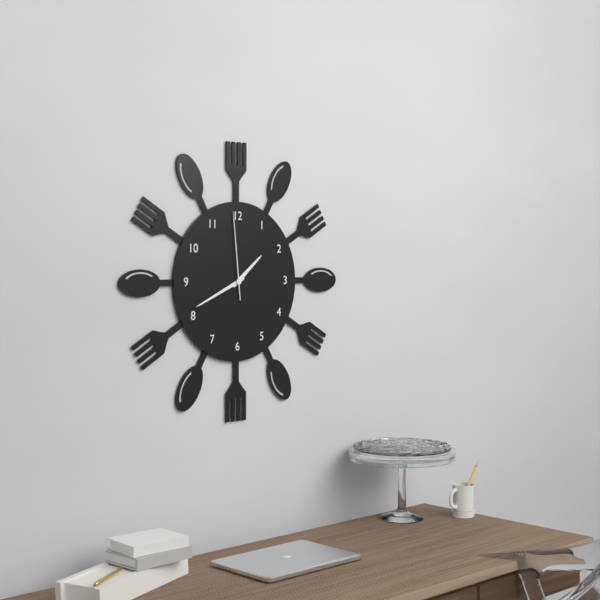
1:41:59
